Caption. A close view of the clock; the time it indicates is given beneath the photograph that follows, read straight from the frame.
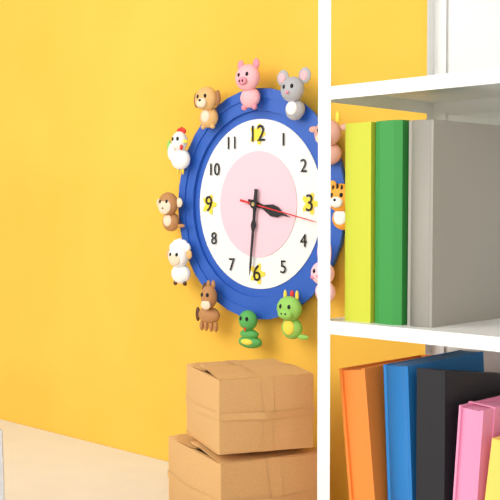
3:31:17
